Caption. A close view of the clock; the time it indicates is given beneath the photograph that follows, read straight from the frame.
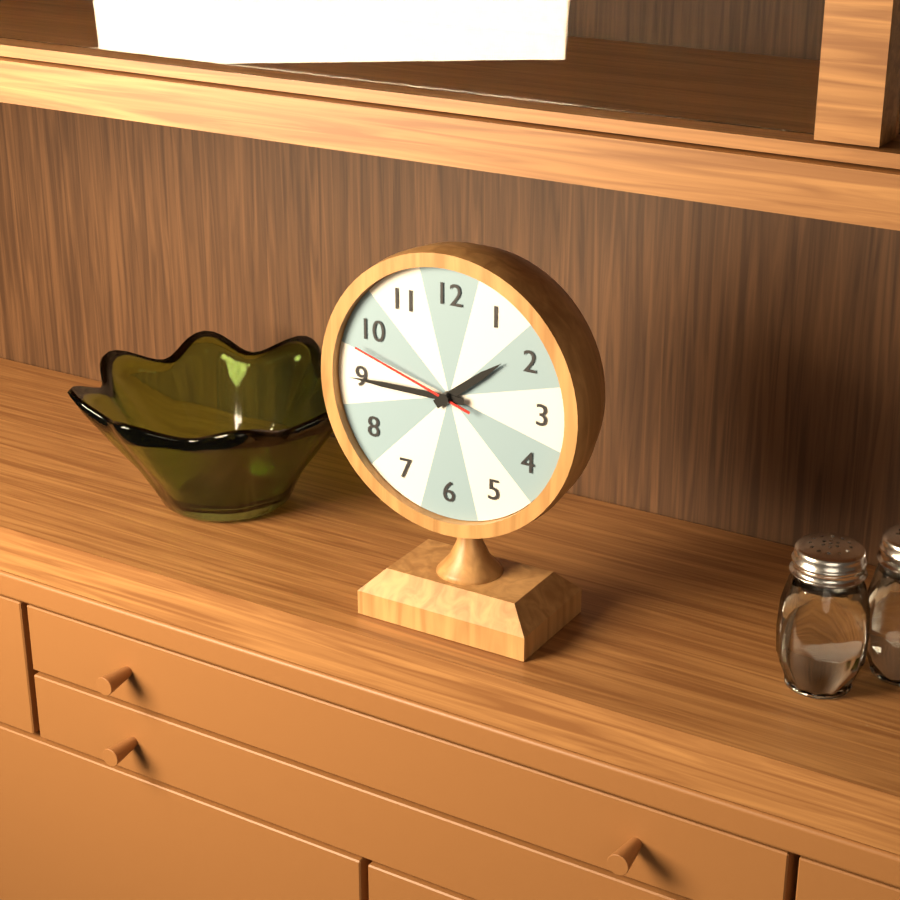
1:45:48
